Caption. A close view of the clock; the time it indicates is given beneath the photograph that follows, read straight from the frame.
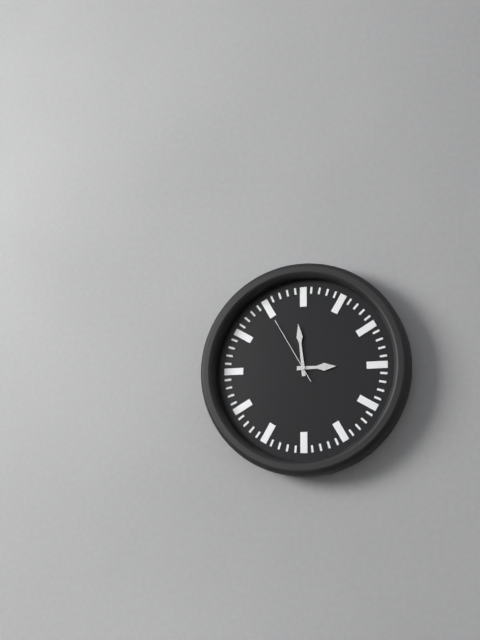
2:59:55
